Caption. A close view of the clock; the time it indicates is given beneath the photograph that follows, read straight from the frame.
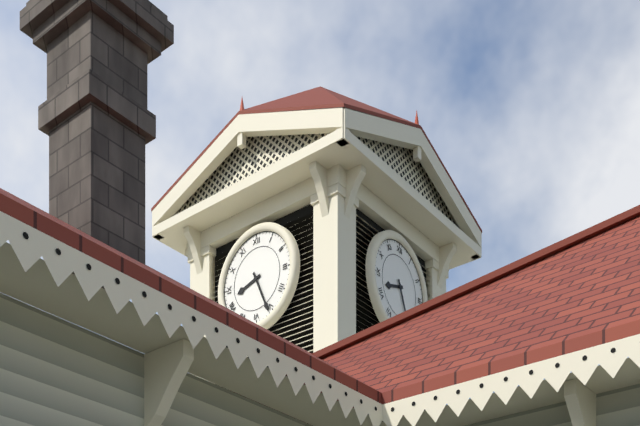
8:26
